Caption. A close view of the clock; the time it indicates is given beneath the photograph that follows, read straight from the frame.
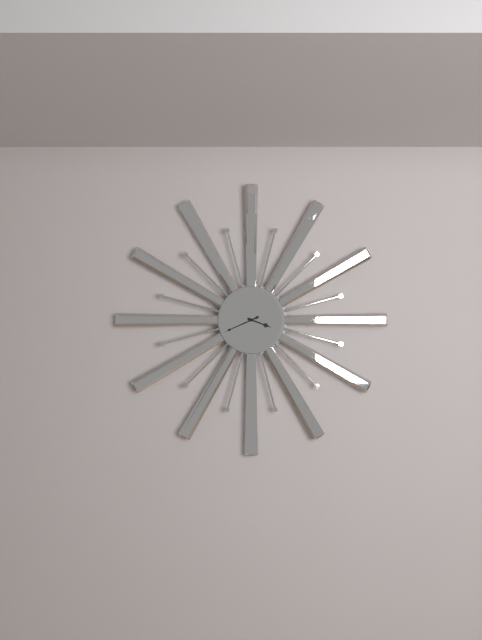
3:41
